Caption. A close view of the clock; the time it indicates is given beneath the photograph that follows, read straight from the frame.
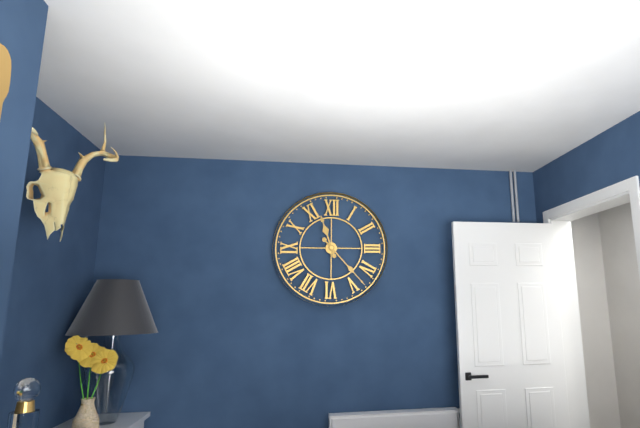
11:23
